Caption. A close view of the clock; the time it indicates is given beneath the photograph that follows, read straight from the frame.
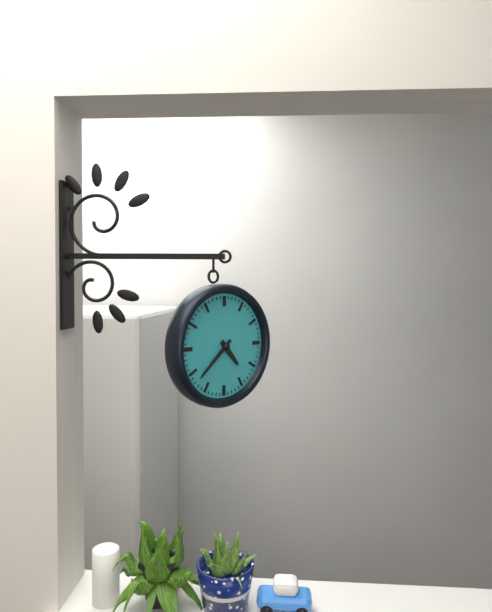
4:38
